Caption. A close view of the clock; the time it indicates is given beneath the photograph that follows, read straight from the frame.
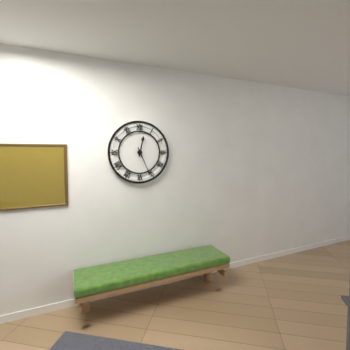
12:26
